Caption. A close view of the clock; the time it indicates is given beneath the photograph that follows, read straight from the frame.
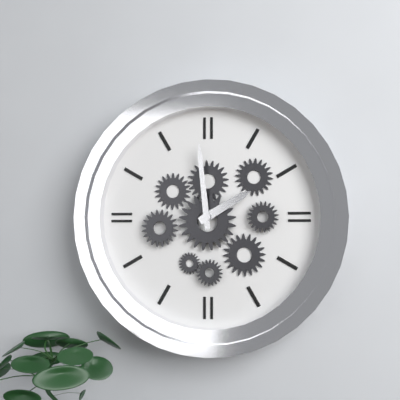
1:59
